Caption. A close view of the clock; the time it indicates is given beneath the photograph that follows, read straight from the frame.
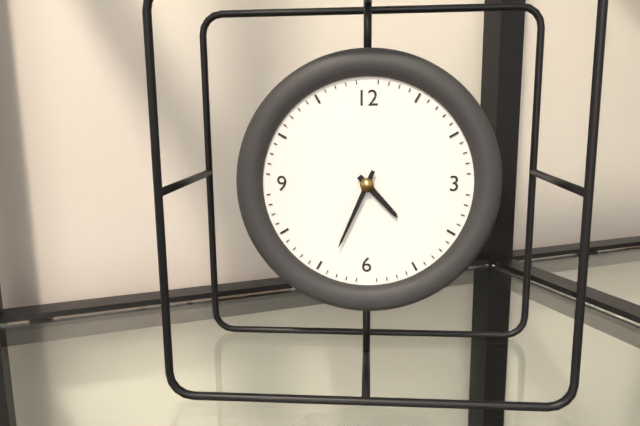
4:34
